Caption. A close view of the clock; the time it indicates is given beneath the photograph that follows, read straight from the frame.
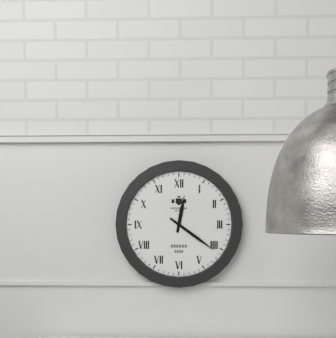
12:21
